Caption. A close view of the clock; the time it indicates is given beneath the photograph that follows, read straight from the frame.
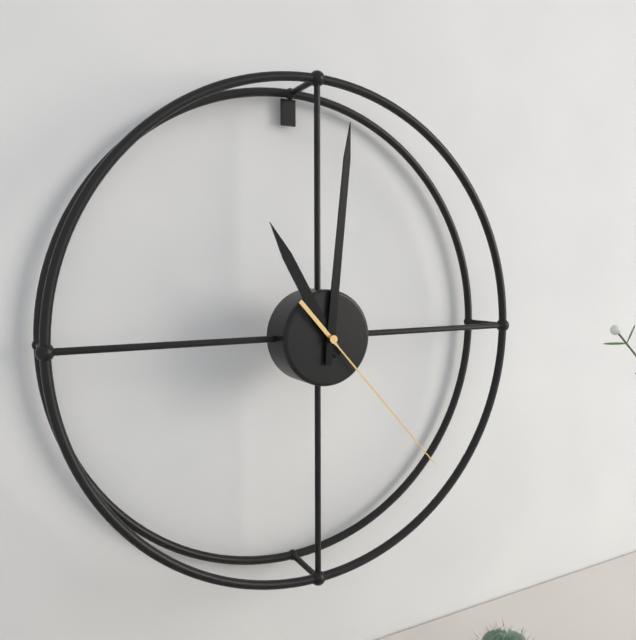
11:01:23
